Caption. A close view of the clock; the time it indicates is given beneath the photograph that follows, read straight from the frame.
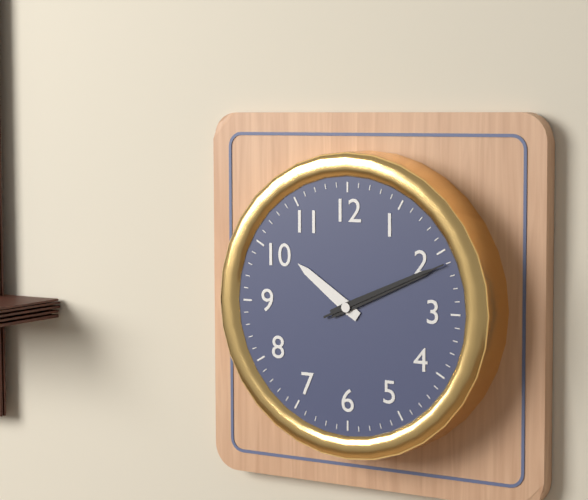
10:11:11
